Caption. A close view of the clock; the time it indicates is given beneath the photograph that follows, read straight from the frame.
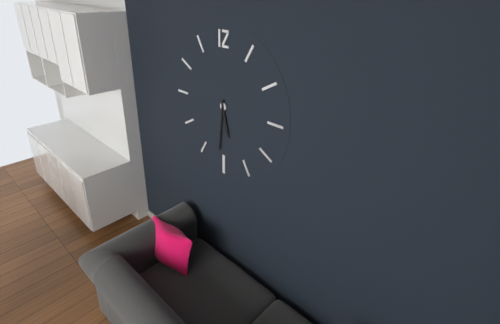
5:31
